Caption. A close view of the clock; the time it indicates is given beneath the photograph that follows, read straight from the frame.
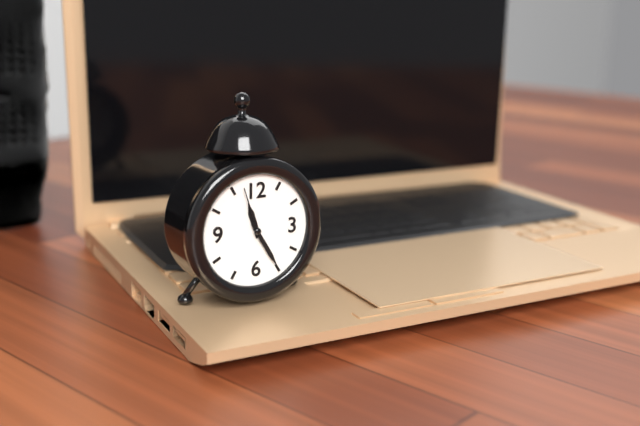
11:25:57
